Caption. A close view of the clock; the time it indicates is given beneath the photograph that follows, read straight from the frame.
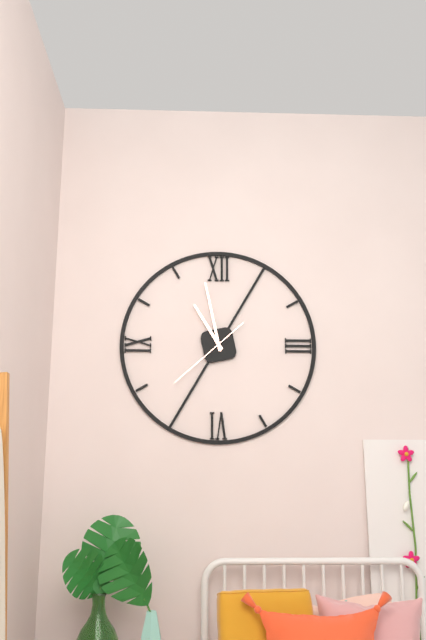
10:58:38
